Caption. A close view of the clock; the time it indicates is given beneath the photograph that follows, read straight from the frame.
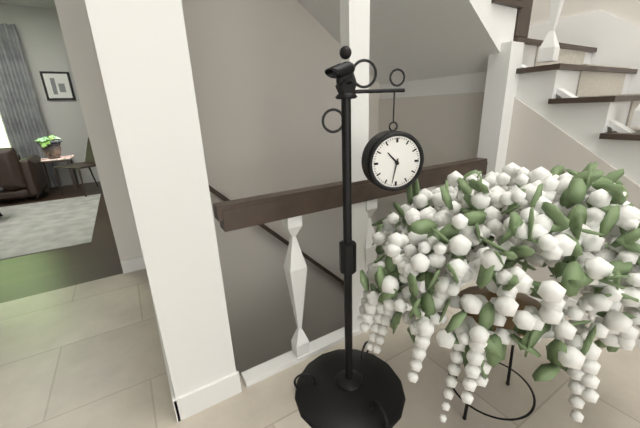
10:32
